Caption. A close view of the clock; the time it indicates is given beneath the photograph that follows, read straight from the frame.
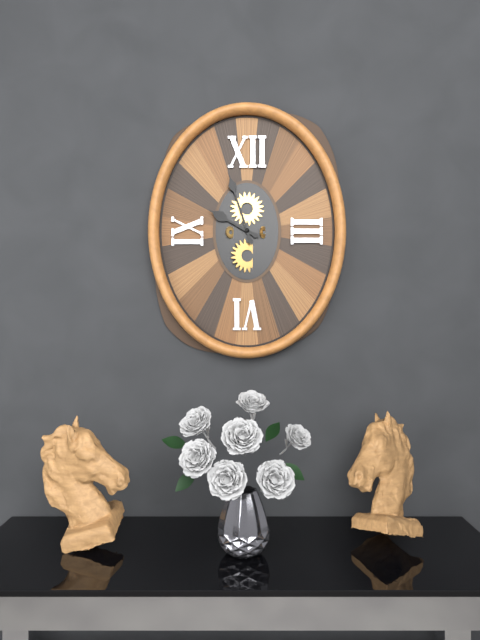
9:57
